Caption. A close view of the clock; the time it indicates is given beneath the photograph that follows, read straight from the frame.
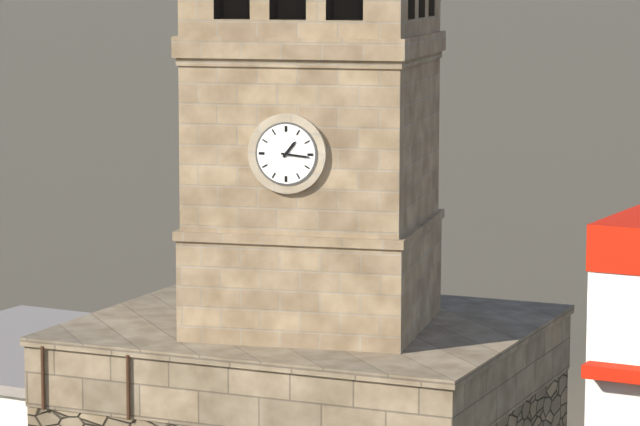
1:16
